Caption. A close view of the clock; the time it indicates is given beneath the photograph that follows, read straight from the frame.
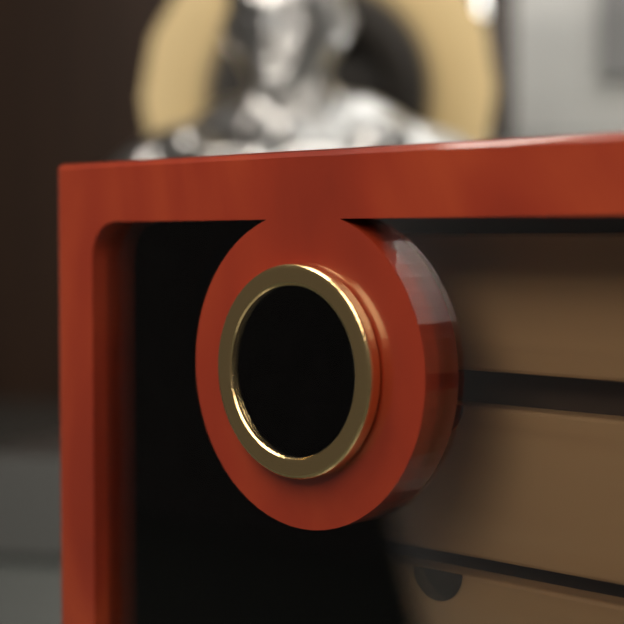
8:27
